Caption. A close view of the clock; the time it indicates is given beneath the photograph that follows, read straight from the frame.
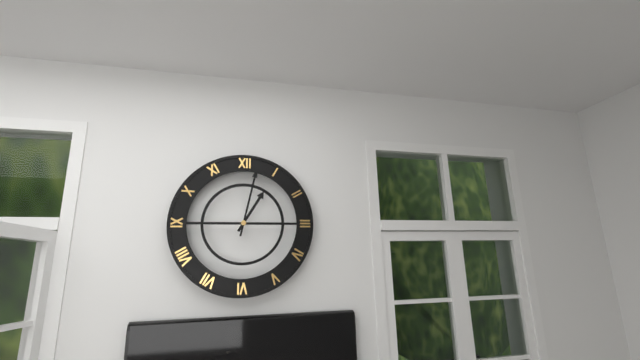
1:02
